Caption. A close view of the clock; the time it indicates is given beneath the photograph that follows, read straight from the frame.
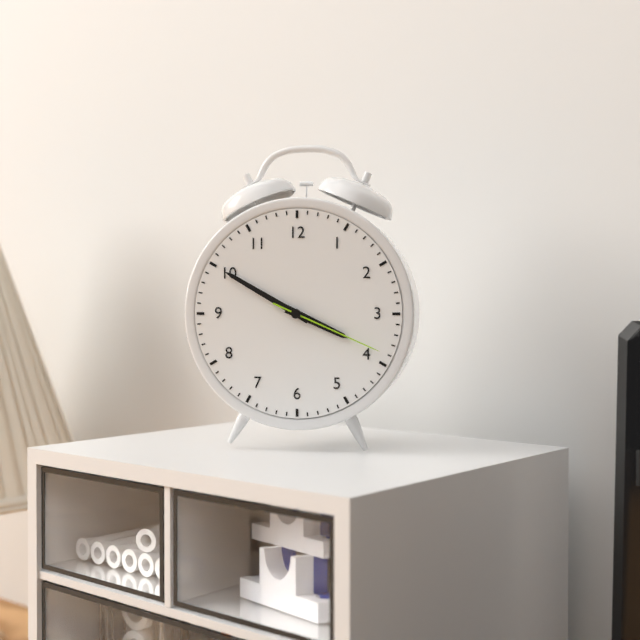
3:50:19
